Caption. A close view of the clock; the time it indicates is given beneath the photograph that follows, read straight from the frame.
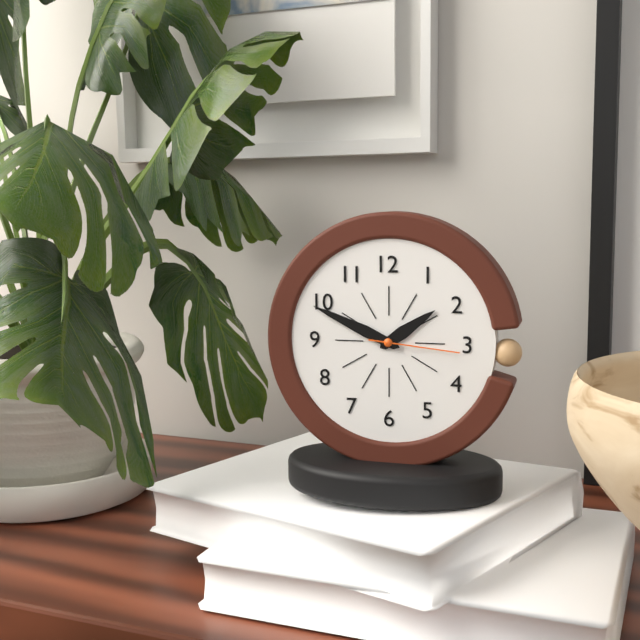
1:49:16
